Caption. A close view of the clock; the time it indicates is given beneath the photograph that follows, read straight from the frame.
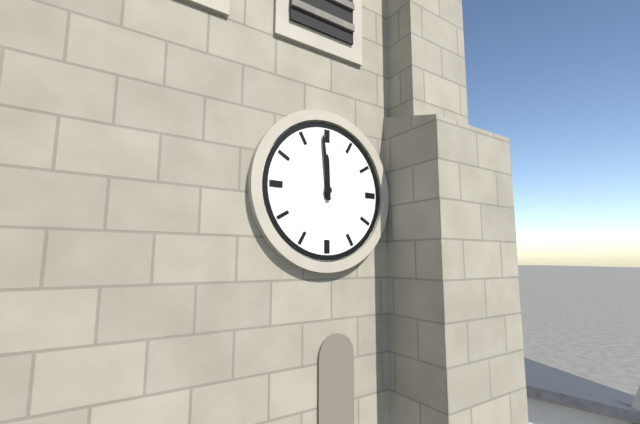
11:59
